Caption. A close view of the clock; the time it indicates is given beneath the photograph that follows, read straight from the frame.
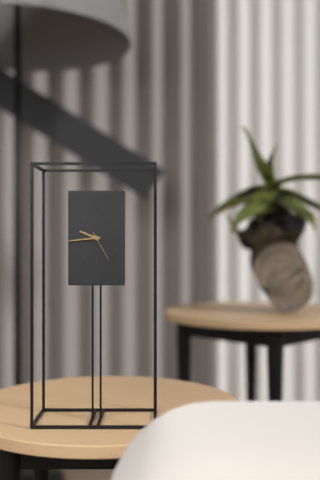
9:44
